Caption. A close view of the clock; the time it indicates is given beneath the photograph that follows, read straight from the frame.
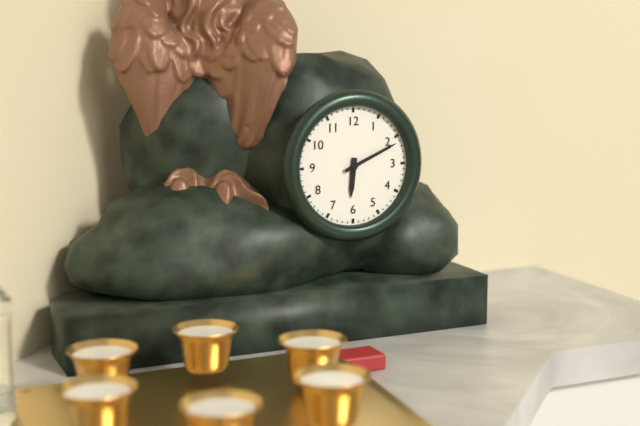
6:11
